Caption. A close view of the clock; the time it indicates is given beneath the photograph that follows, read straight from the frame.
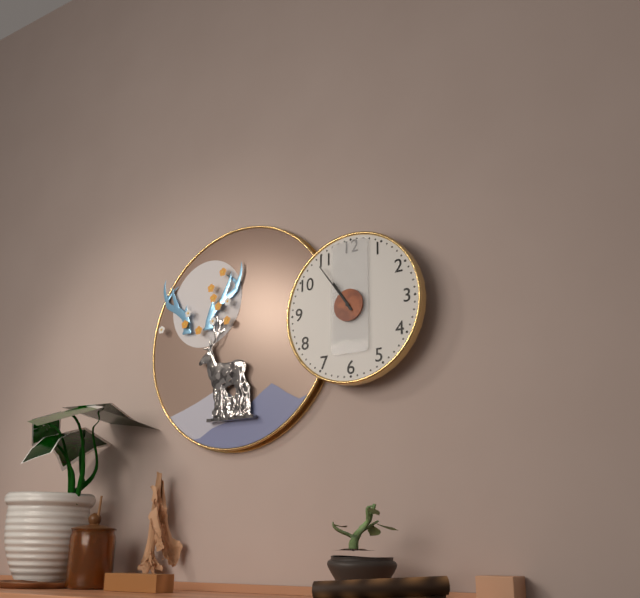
10:54
